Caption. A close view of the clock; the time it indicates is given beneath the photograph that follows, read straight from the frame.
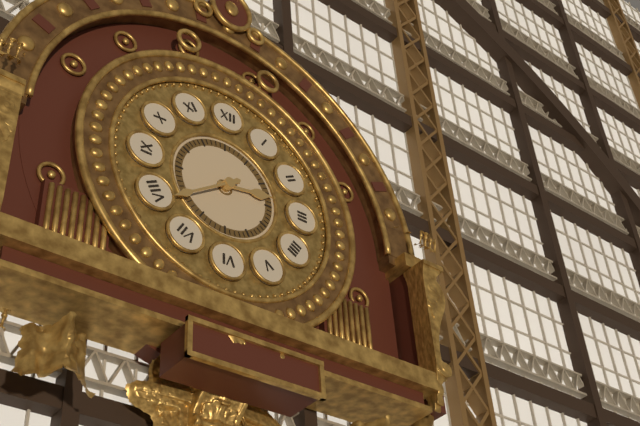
2:39
